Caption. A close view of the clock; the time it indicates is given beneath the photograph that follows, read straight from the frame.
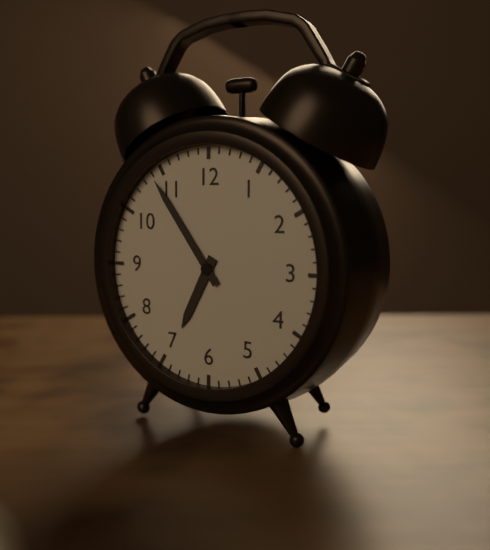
6:54
